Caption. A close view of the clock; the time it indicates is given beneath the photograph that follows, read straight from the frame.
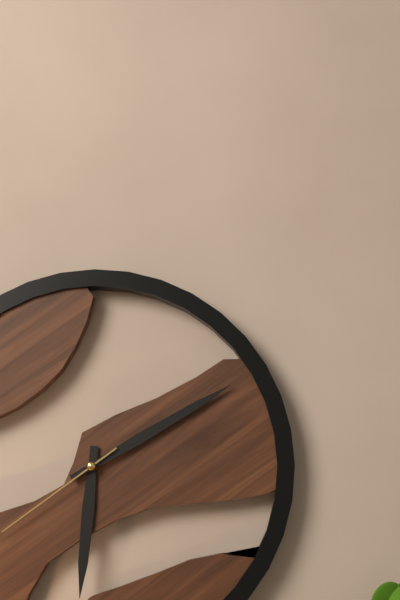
6:10:39
